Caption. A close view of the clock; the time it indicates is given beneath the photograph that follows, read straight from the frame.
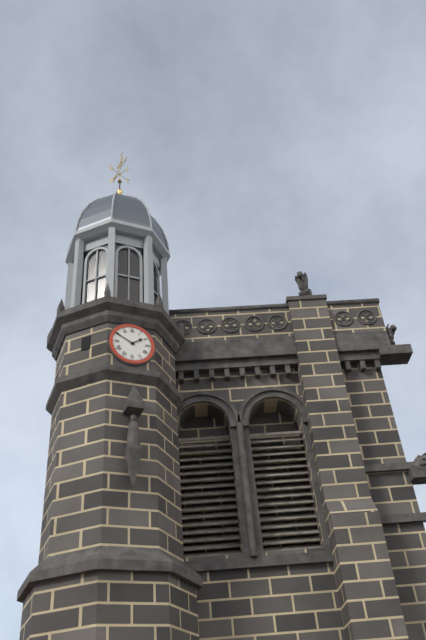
1:50
